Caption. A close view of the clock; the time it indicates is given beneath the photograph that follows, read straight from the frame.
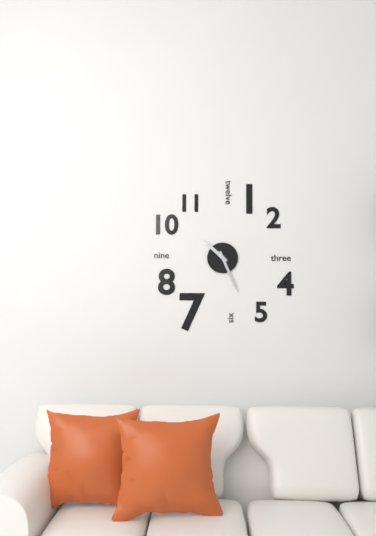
10:26
